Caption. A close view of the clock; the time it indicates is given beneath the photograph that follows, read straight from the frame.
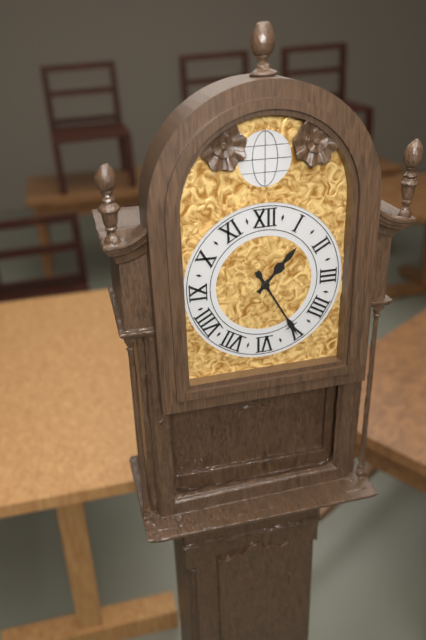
1:25
